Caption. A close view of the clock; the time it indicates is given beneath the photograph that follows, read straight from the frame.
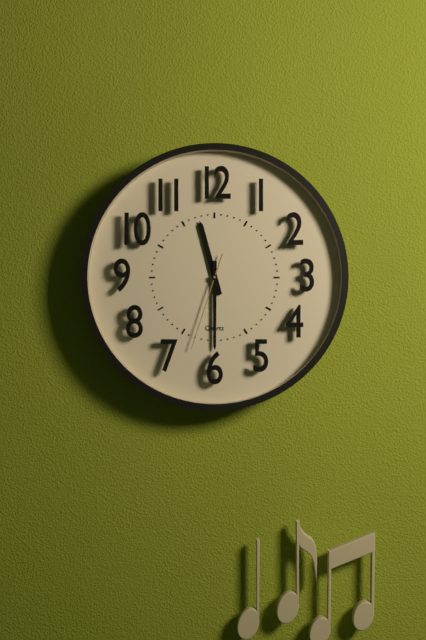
11:30:33
